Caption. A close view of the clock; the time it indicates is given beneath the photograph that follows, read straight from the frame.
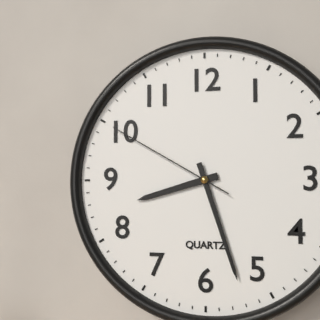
8:27:50
